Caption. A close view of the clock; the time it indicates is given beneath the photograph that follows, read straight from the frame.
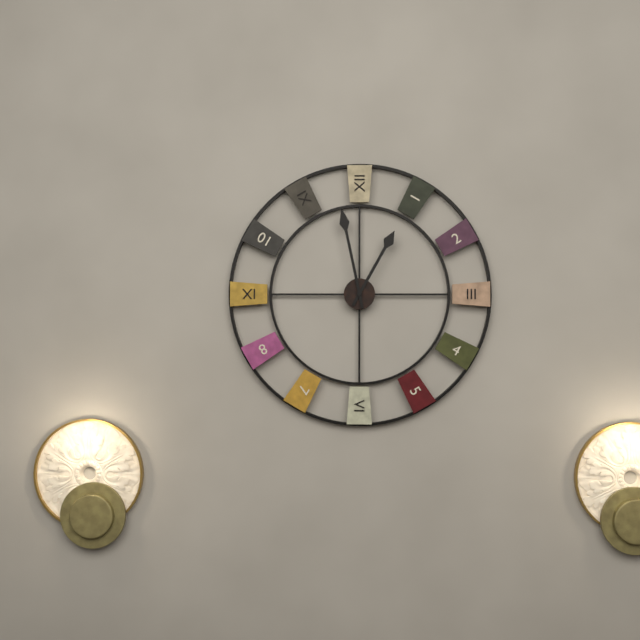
12:58
